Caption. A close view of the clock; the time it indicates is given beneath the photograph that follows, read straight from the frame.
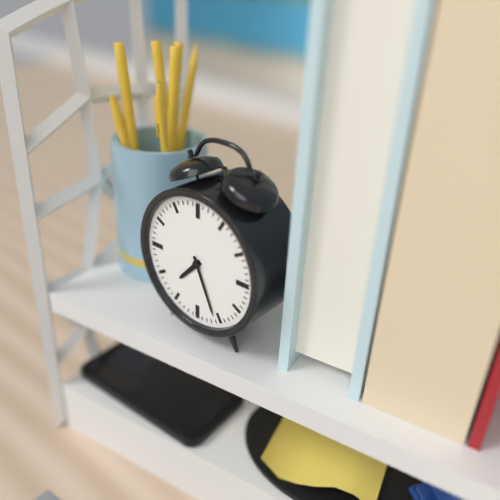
7:26
